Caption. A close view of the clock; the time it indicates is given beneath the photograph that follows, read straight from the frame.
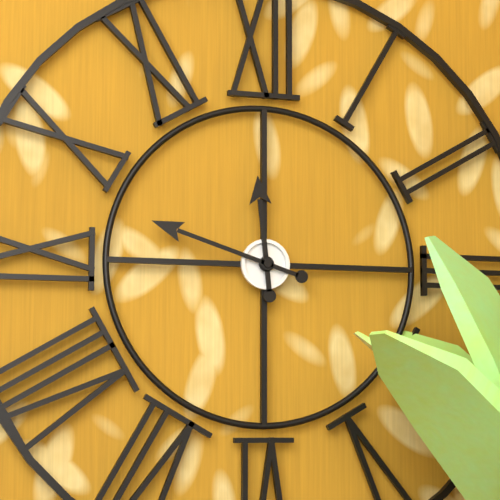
11:48
